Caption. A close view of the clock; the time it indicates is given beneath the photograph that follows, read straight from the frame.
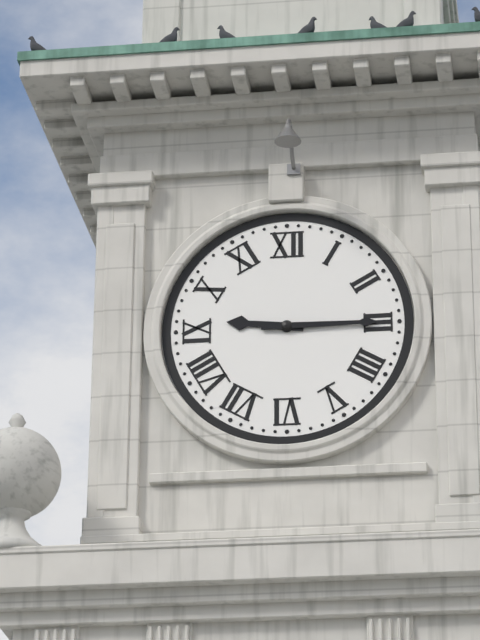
9:15
